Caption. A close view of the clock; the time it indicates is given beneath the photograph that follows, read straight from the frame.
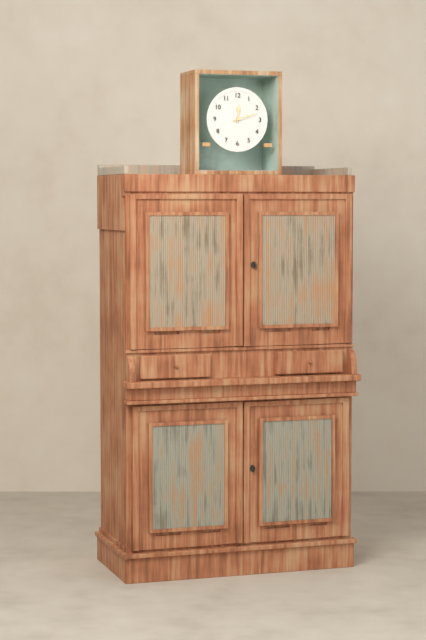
12:12
